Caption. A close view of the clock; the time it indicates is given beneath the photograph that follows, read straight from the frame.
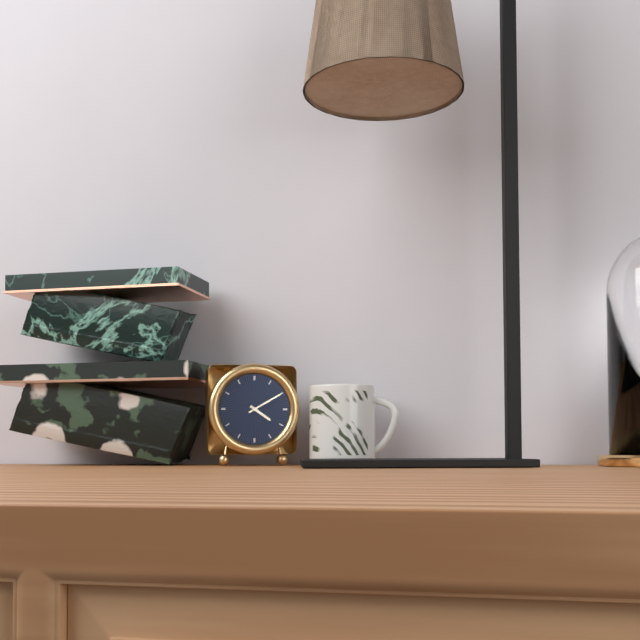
4:10
